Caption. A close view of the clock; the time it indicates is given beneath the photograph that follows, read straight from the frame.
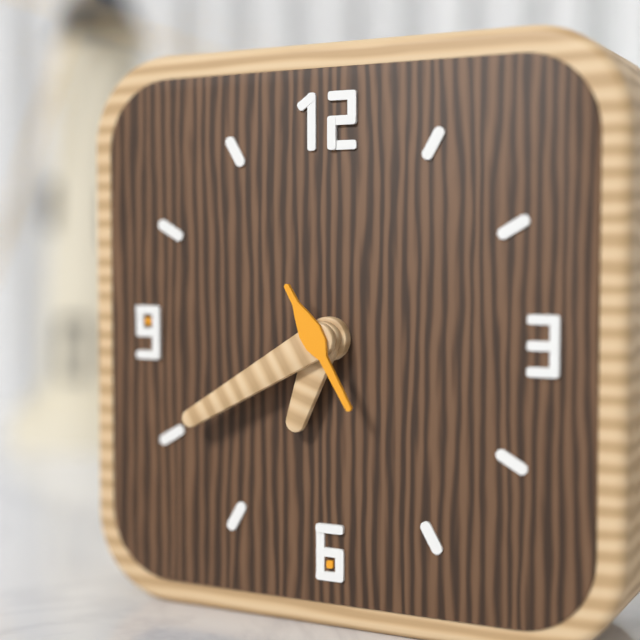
6:40:25
